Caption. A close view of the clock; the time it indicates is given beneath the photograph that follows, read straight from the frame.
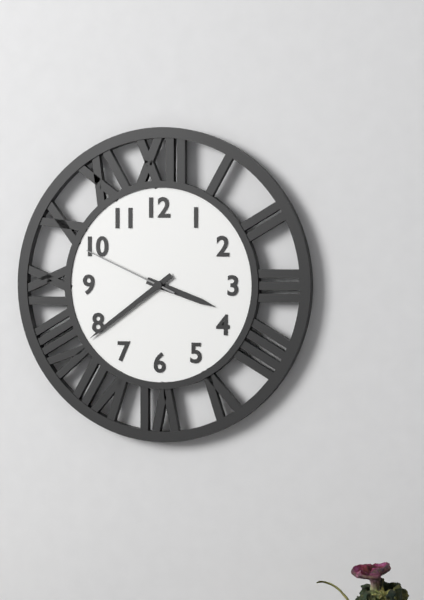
3:39:49
